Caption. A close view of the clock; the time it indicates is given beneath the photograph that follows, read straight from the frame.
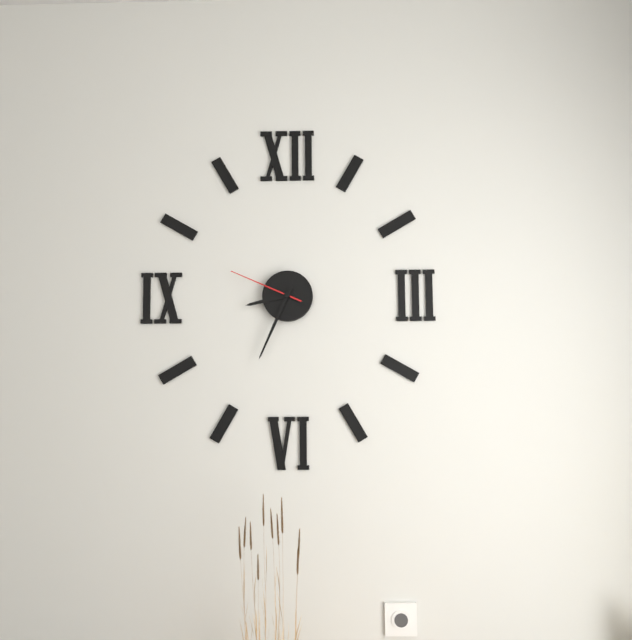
8:34:49
